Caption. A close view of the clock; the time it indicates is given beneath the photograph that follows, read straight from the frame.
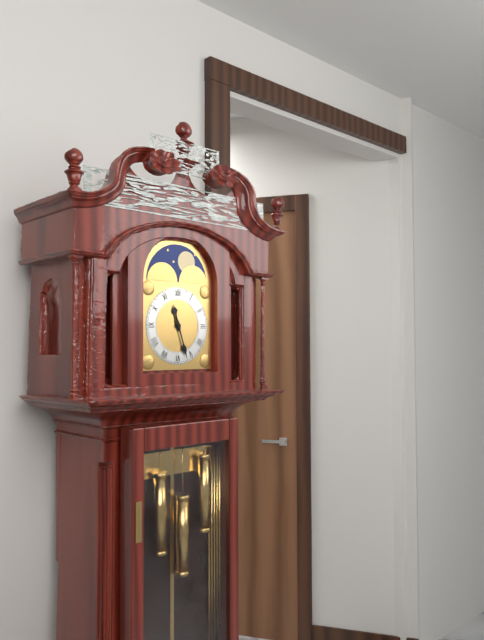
11:27
